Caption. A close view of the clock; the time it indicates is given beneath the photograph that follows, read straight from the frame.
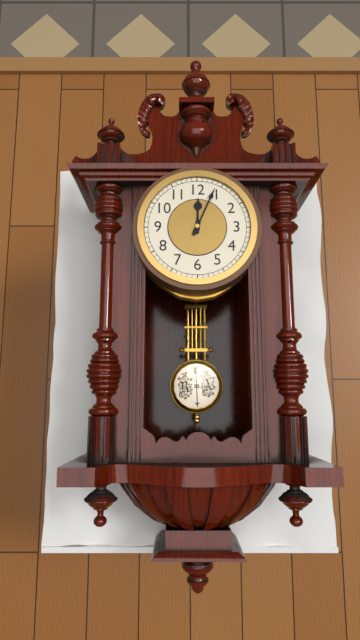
12:04
